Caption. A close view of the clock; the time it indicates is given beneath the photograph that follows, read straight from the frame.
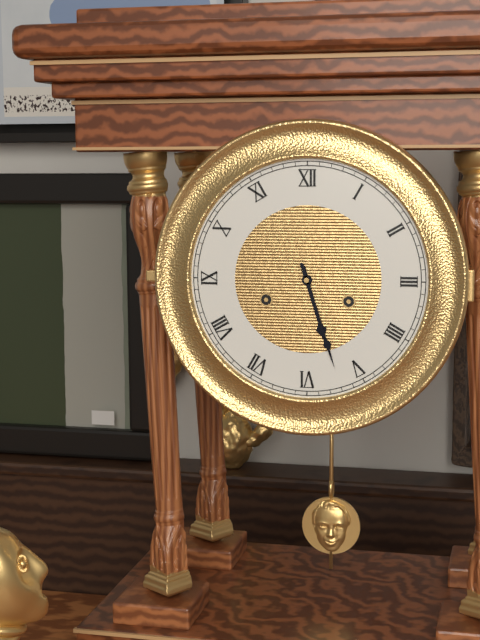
5:27
